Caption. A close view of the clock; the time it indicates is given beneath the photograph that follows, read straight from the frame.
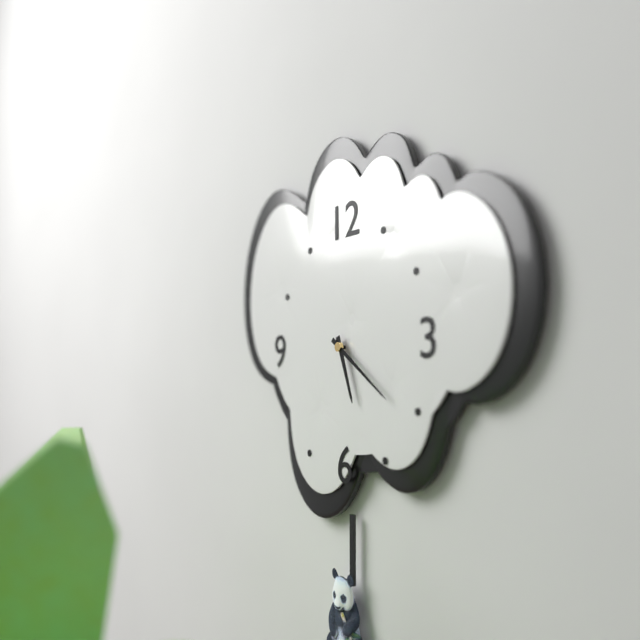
5:21
